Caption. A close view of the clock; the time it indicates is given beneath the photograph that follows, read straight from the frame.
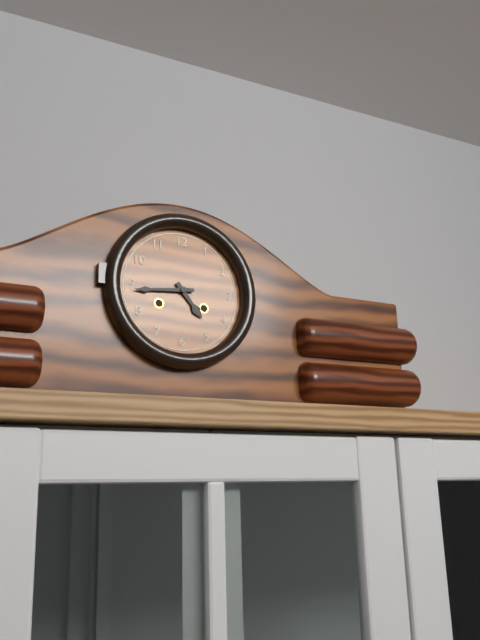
4:44
